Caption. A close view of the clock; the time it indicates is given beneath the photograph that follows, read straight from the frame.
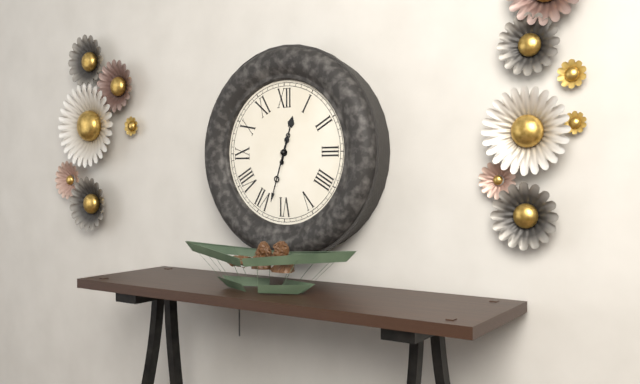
12:33
